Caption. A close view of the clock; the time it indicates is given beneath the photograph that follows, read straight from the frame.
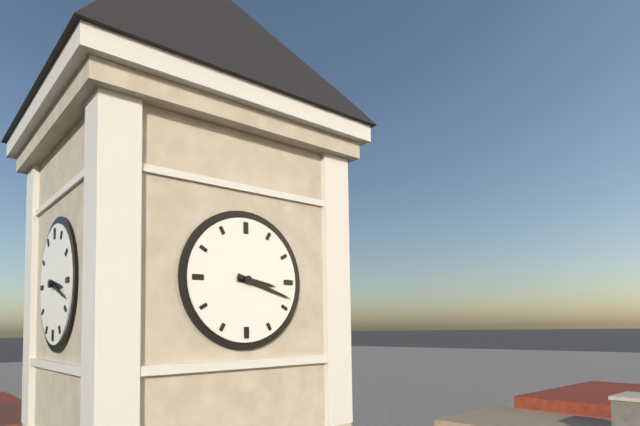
3:18
